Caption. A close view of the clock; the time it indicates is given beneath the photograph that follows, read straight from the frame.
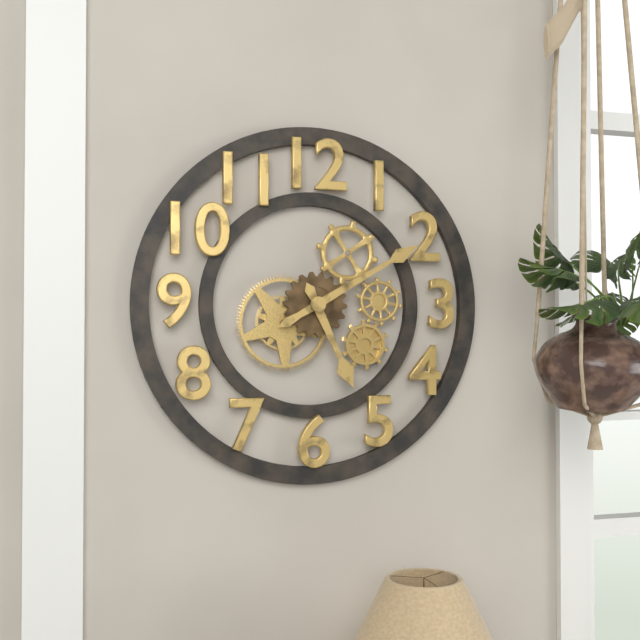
5:10
